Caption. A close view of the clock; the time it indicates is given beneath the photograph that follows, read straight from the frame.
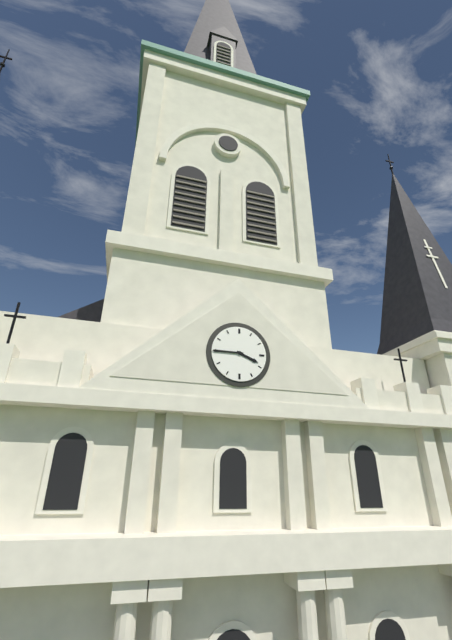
3:45
